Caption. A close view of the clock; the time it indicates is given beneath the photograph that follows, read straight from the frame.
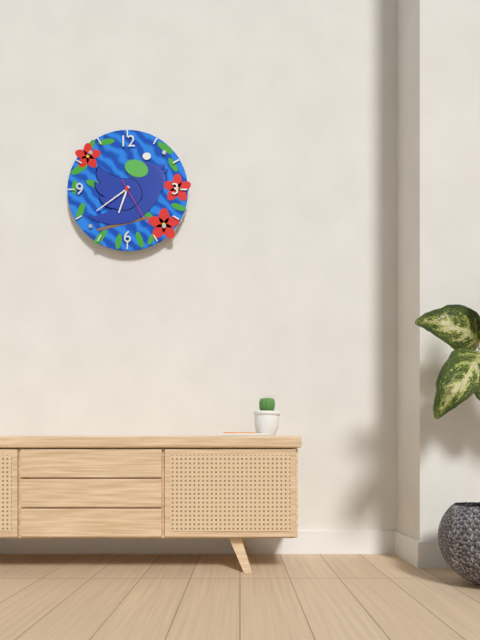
6:39:25
